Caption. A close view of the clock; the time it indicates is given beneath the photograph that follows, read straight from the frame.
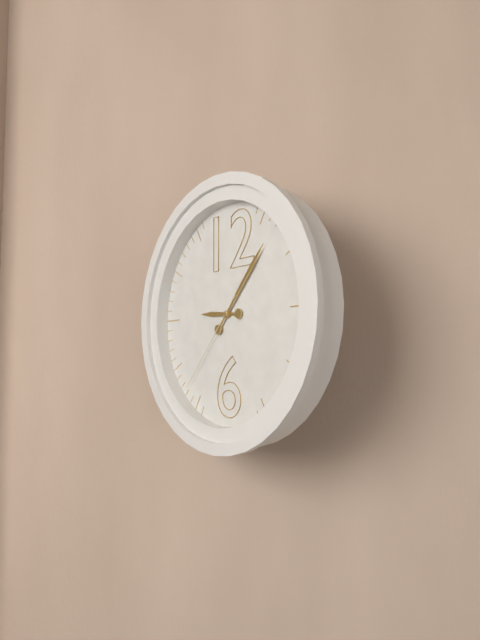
9:07:37
